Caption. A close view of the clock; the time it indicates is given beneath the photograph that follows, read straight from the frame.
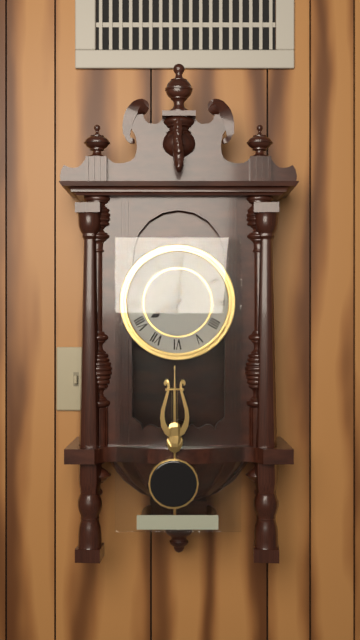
8:01
